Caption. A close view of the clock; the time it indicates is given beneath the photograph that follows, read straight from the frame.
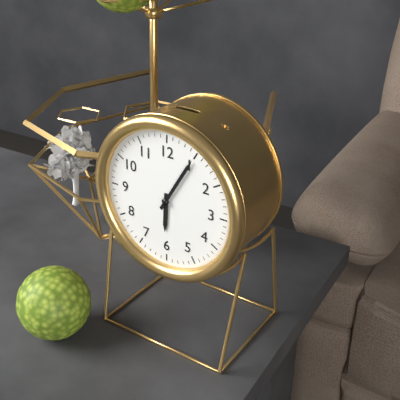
6:05
